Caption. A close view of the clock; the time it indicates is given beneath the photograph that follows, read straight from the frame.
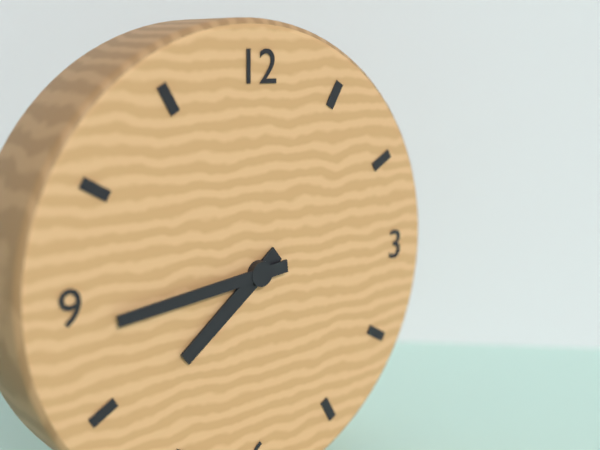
7:44
